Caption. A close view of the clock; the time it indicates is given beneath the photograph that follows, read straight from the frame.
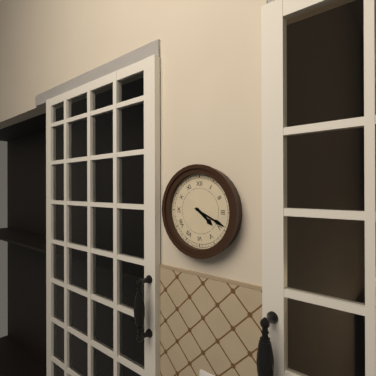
4:19
